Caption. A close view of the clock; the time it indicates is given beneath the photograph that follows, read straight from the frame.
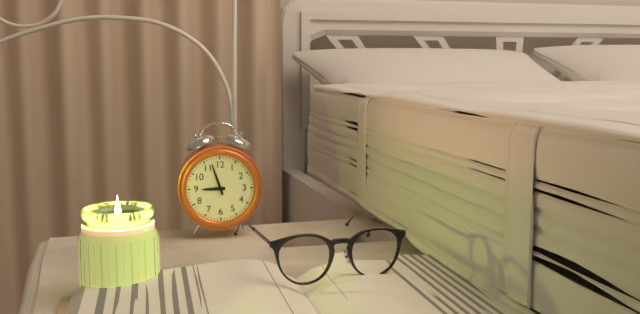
8:57
